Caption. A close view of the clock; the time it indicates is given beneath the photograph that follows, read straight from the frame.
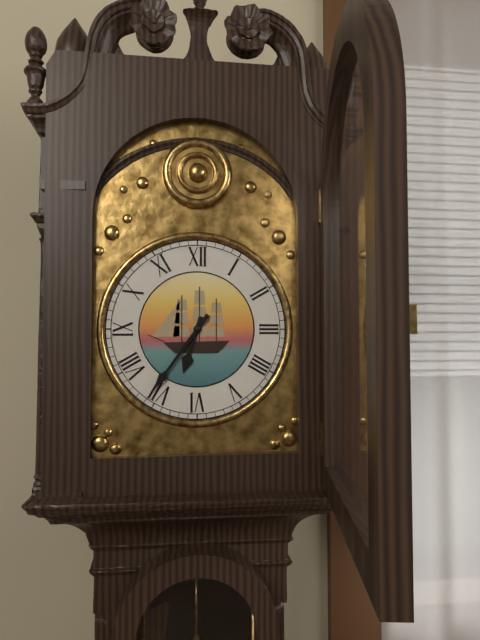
6:36
